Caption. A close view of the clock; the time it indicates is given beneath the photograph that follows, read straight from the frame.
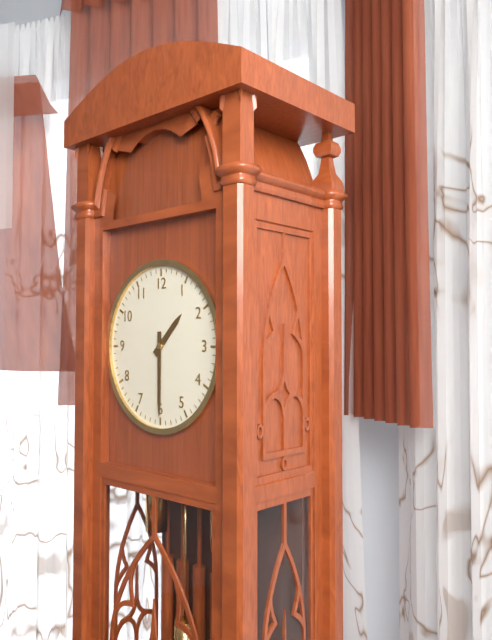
1:30
